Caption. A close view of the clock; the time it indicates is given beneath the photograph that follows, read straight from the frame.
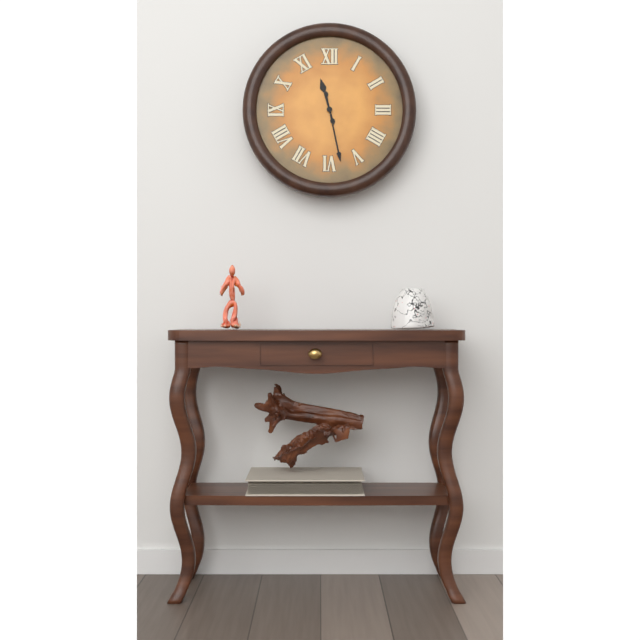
11:28
